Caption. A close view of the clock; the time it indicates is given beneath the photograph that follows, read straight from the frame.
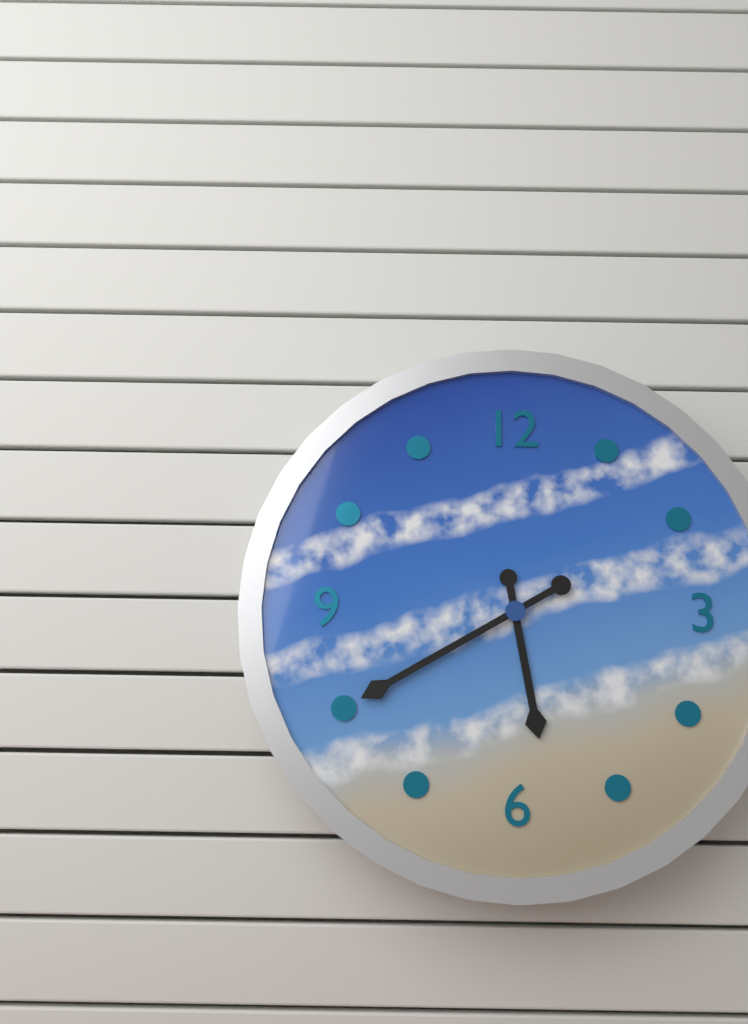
5:40
